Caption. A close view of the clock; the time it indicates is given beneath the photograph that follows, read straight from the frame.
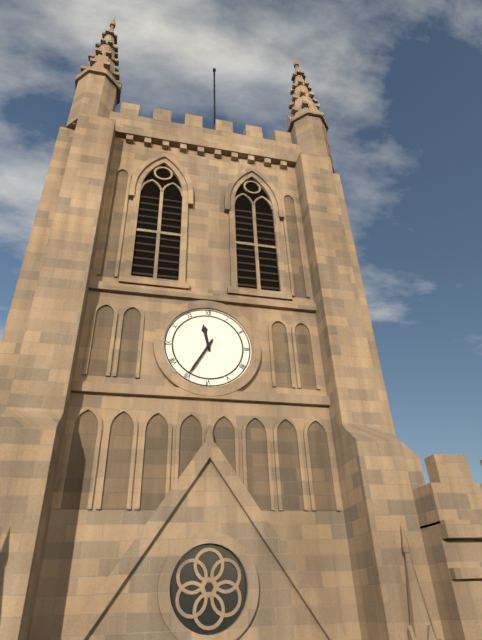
11:35
